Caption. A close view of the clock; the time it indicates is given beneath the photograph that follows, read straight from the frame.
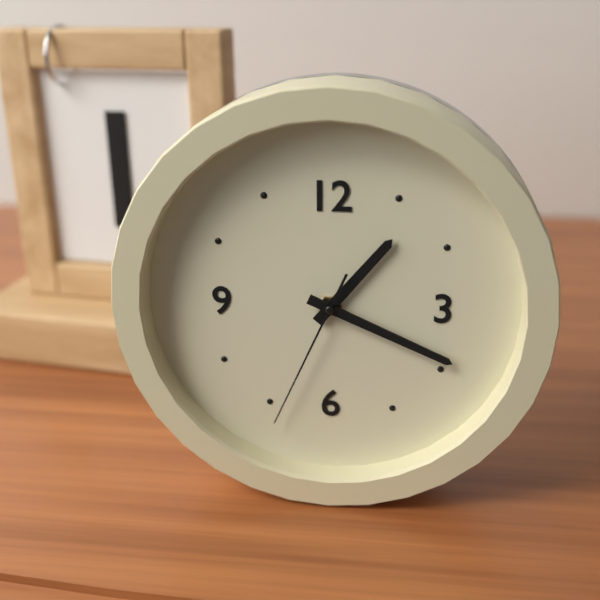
1:19:34
